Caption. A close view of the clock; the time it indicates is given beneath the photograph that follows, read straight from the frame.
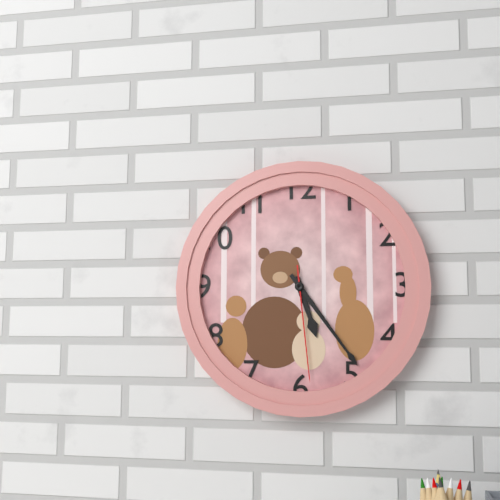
5:24:29
